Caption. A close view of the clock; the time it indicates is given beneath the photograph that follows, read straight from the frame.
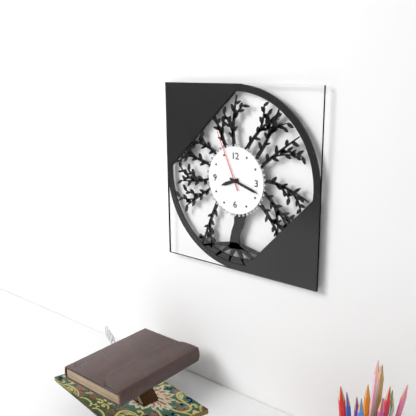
8:18:56
